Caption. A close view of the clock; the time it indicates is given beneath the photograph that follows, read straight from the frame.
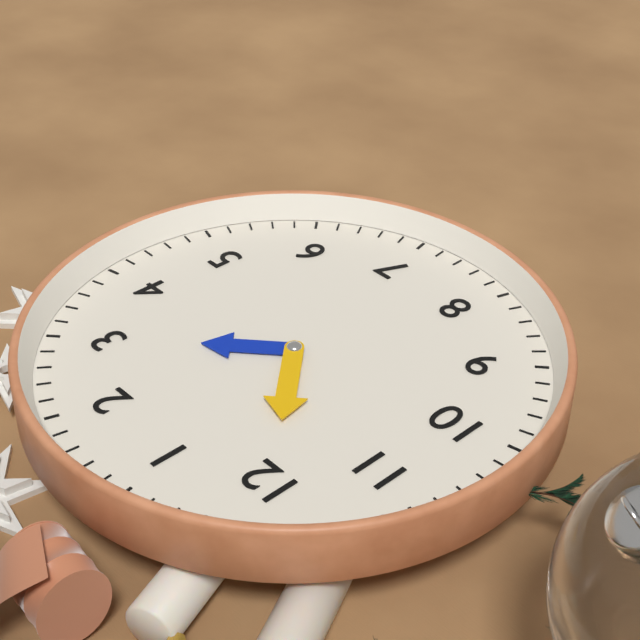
3:00
